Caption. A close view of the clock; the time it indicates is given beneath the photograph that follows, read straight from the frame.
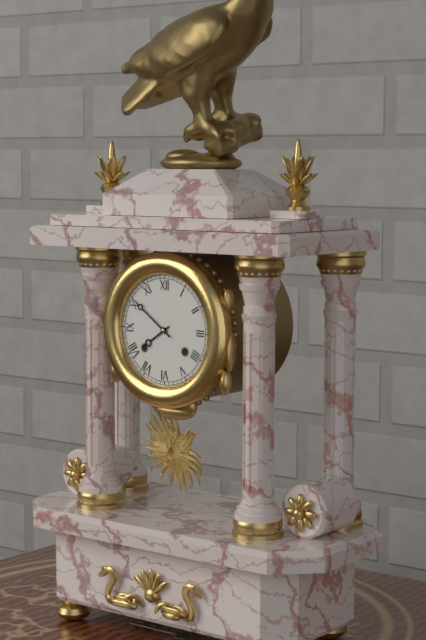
7:51
